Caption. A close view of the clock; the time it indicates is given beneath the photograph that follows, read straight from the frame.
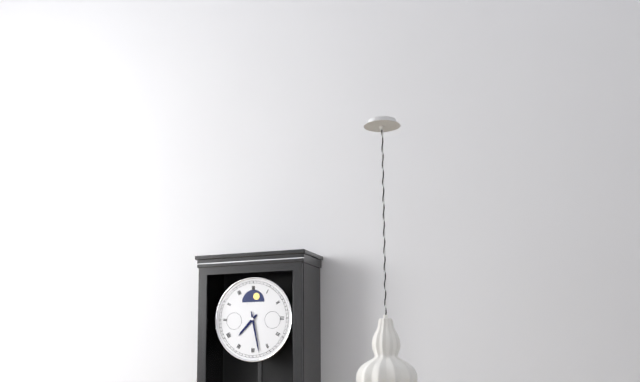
7:28
